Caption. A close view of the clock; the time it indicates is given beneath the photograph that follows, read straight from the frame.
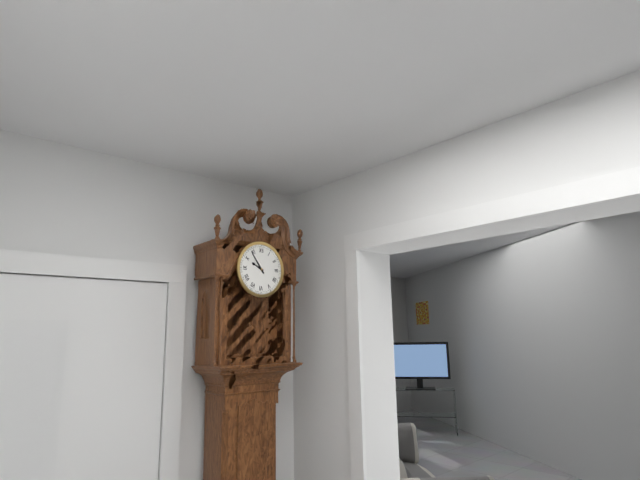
9:54
